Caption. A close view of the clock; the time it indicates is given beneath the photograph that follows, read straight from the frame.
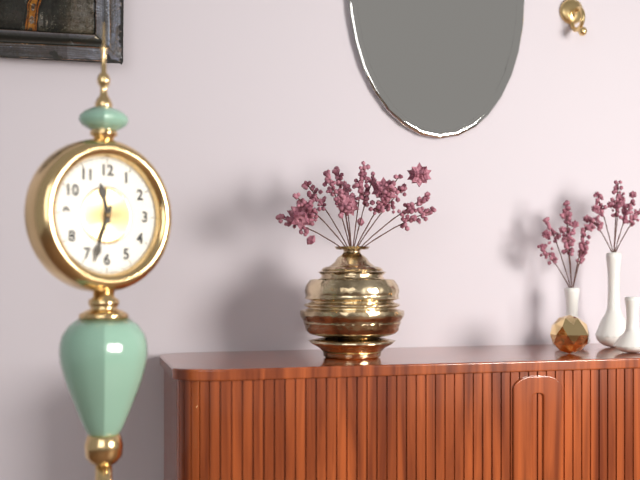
11:33
